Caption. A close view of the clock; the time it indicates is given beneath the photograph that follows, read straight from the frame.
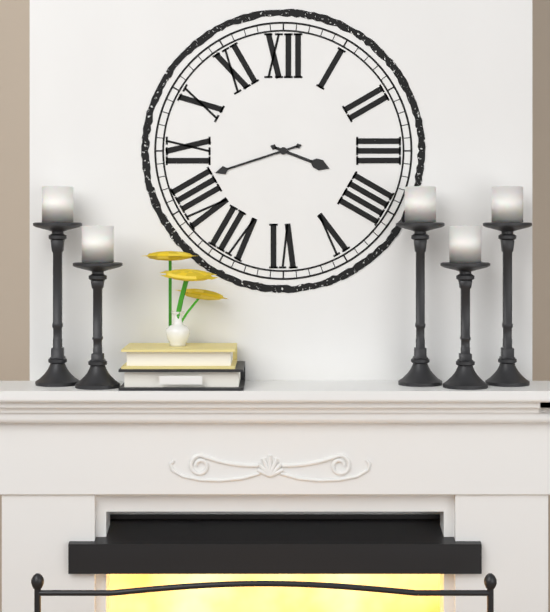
3:42
